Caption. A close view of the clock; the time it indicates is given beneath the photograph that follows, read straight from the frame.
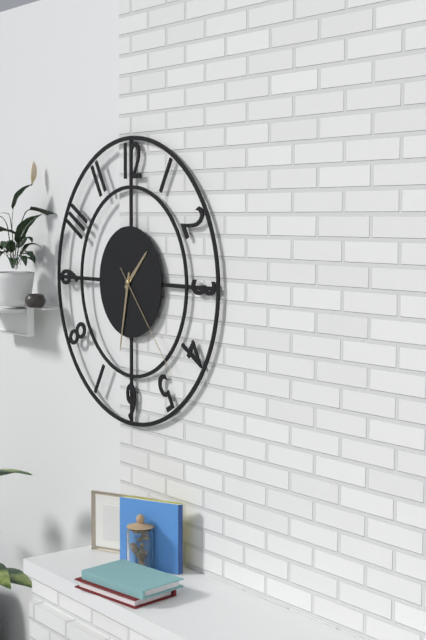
1:32:23
